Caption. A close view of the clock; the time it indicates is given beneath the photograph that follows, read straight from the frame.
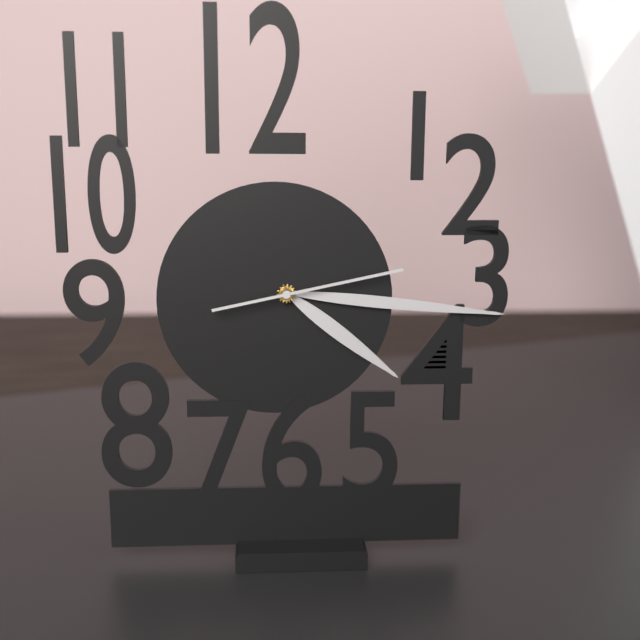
4:16:13
